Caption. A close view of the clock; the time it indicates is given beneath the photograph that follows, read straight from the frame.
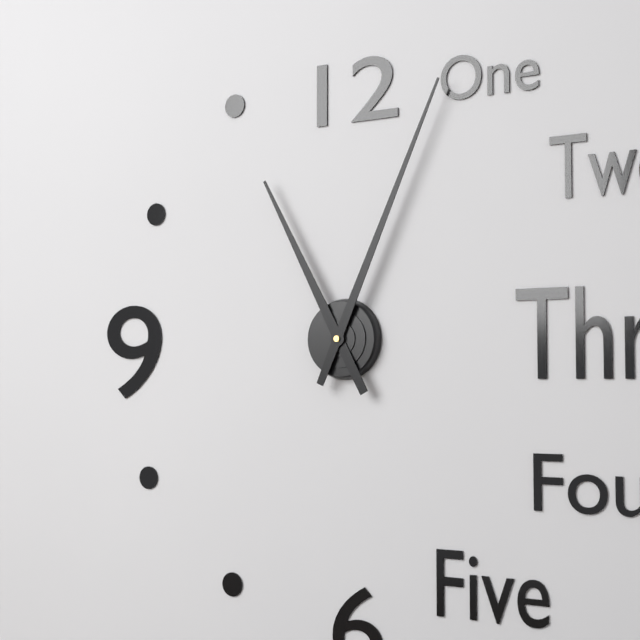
11:04
